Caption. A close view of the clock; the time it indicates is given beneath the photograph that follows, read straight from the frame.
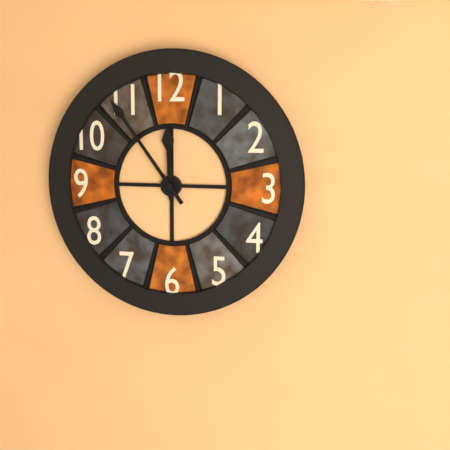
11:54
